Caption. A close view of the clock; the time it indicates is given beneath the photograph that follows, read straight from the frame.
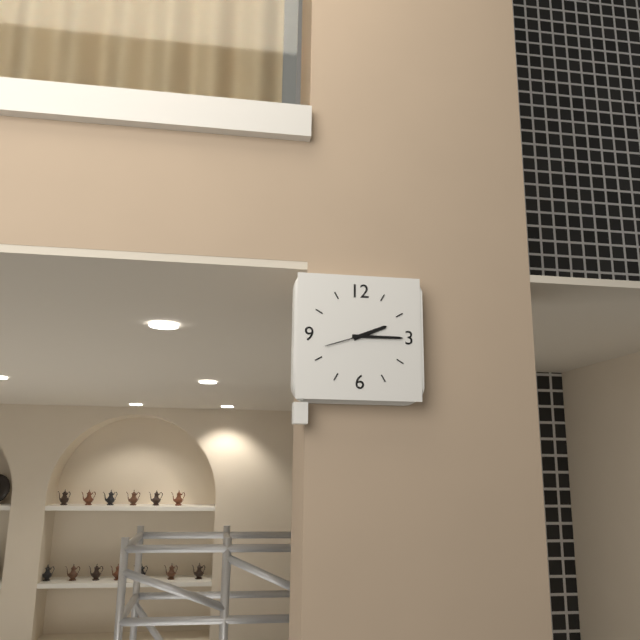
2:15
